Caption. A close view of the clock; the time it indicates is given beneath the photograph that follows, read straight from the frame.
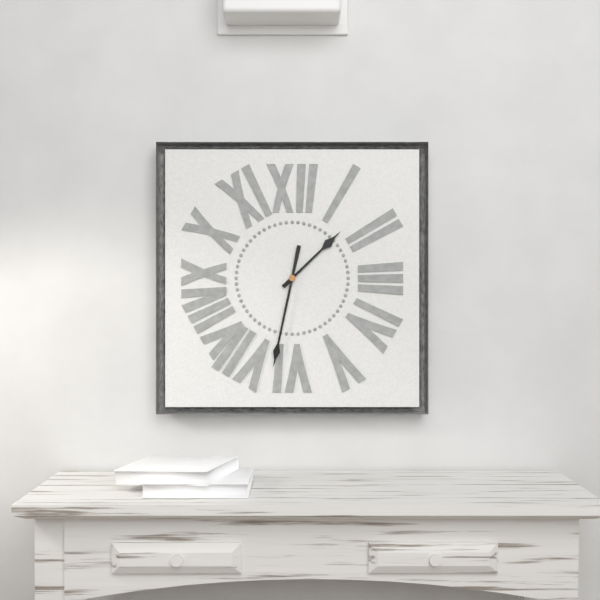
1:32
